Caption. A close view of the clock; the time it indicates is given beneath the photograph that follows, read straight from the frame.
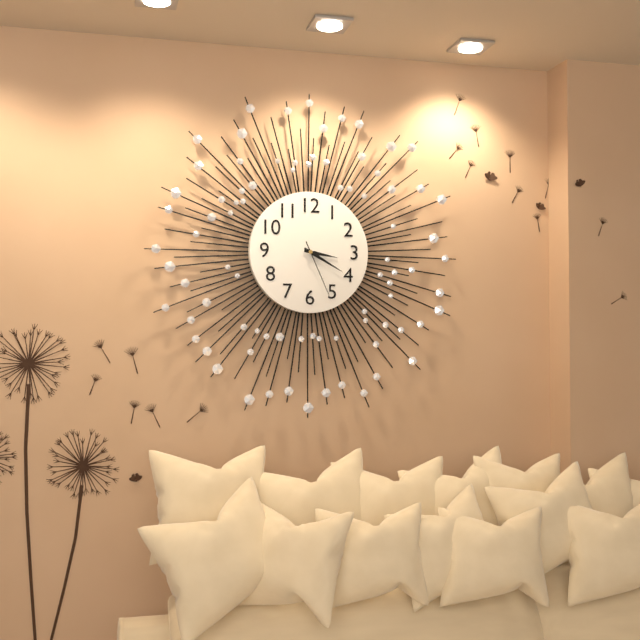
3:20:26
